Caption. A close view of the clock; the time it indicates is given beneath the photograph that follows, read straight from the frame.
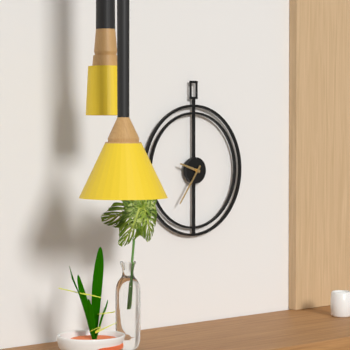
9:36
